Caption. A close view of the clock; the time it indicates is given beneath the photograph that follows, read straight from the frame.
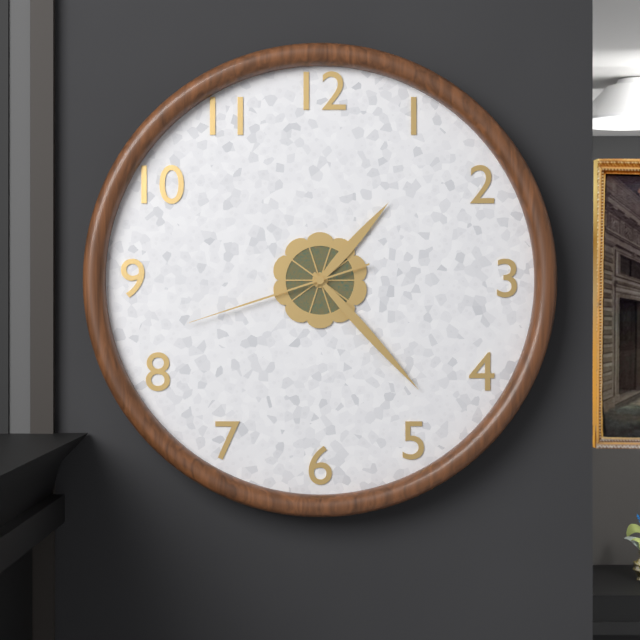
1:23:42
